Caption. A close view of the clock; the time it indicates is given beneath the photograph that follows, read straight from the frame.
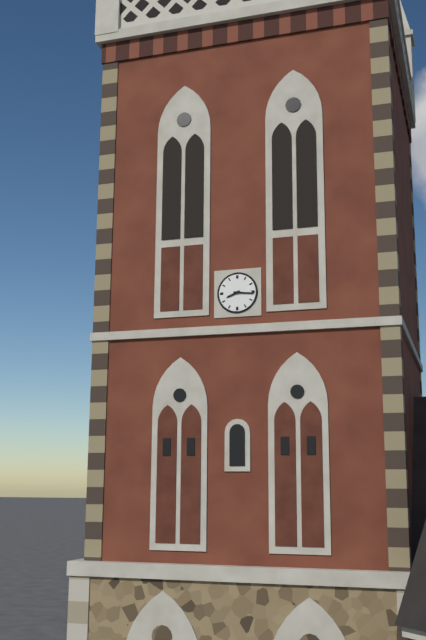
8:16
